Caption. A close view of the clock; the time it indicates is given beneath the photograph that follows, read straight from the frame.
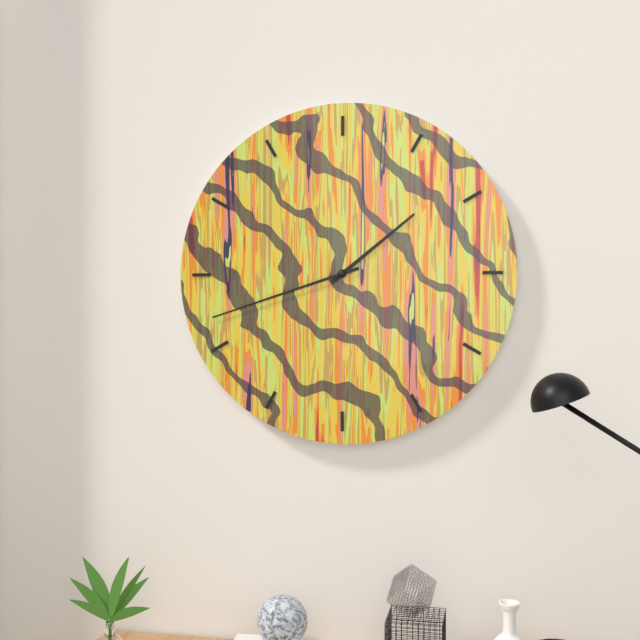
1:42
